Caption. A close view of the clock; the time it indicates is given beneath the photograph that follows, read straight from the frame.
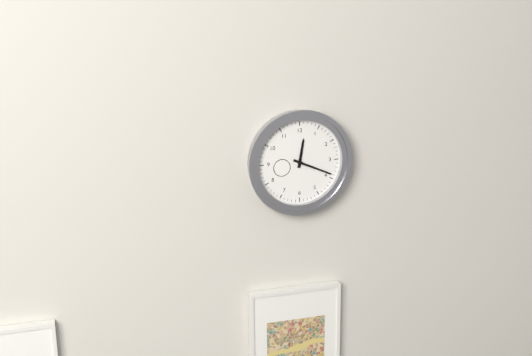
12:19
